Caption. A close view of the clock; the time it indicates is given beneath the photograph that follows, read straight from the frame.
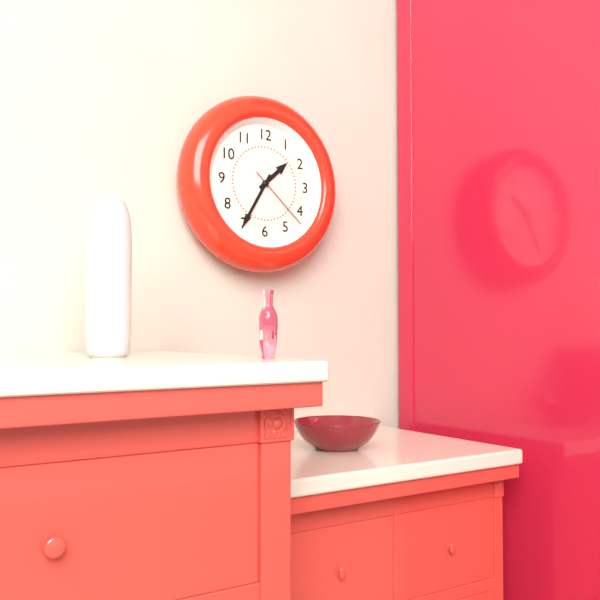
1:35:22
